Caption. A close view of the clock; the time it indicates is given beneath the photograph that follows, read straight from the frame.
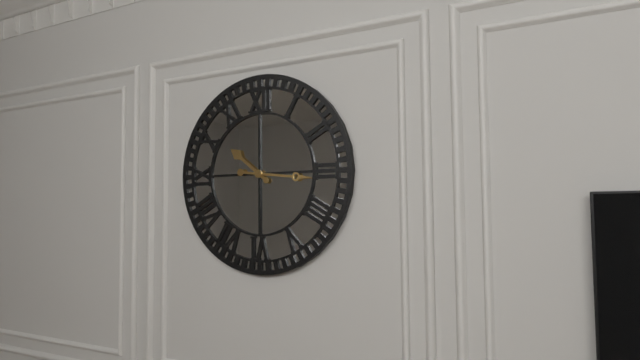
10:16
